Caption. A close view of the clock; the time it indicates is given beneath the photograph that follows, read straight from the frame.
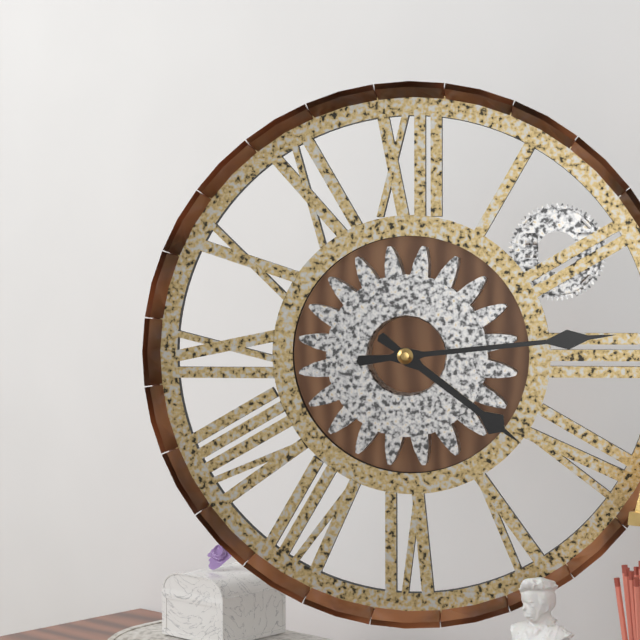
4:14
